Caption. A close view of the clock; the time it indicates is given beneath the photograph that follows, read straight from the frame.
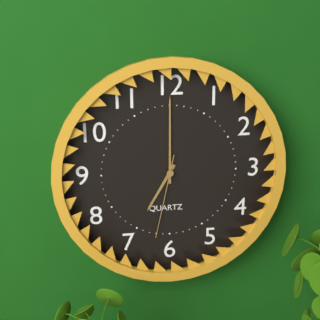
7:00:32
